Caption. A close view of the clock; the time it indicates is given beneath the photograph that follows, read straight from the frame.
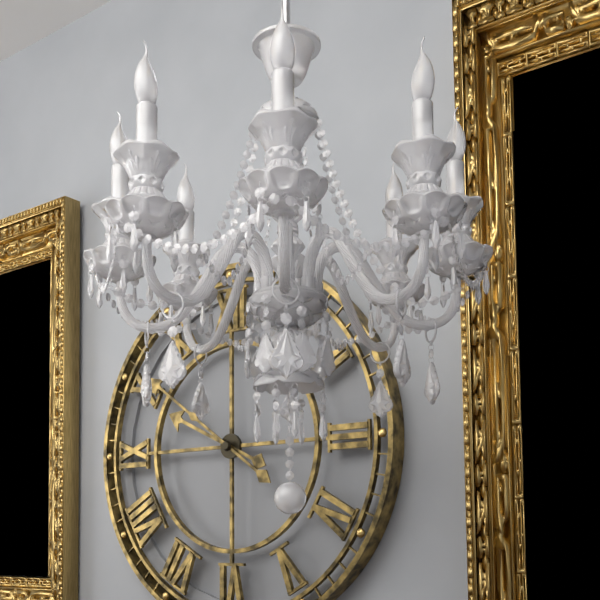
9:51
